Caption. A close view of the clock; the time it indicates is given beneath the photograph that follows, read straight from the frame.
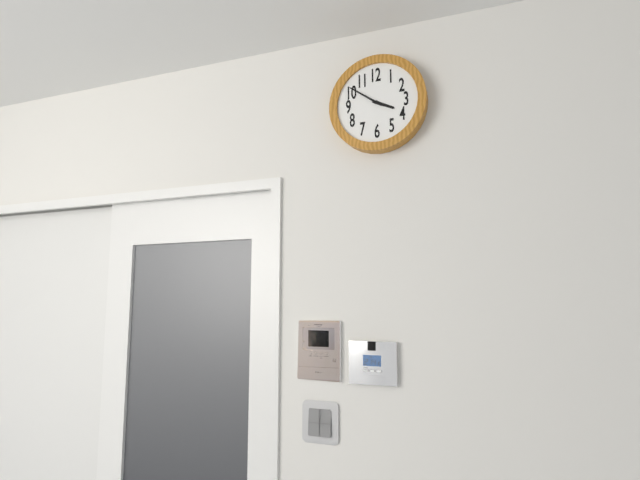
3:51
